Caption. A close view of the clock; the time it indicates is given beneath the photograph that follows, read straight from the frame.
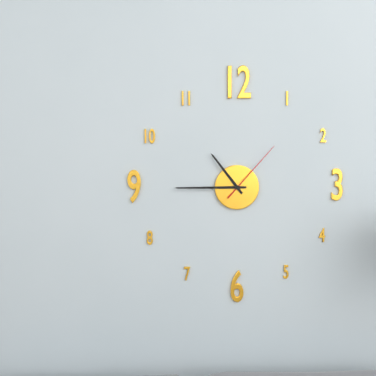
10:45:07
